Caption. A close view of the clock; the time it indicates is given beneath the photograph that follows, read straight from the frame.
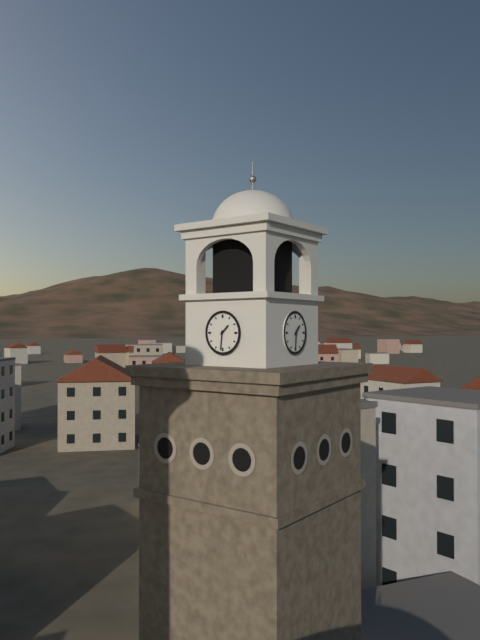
1:31
